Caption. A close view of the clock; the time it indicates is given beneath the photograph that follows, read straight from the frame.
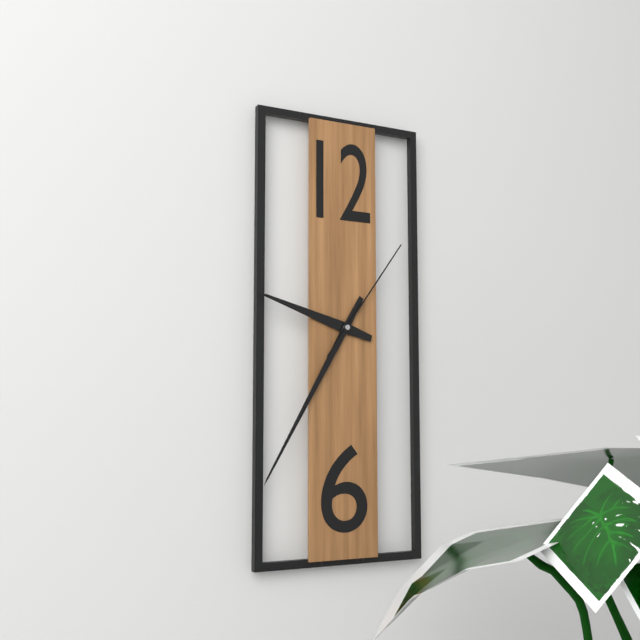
9:35:06
